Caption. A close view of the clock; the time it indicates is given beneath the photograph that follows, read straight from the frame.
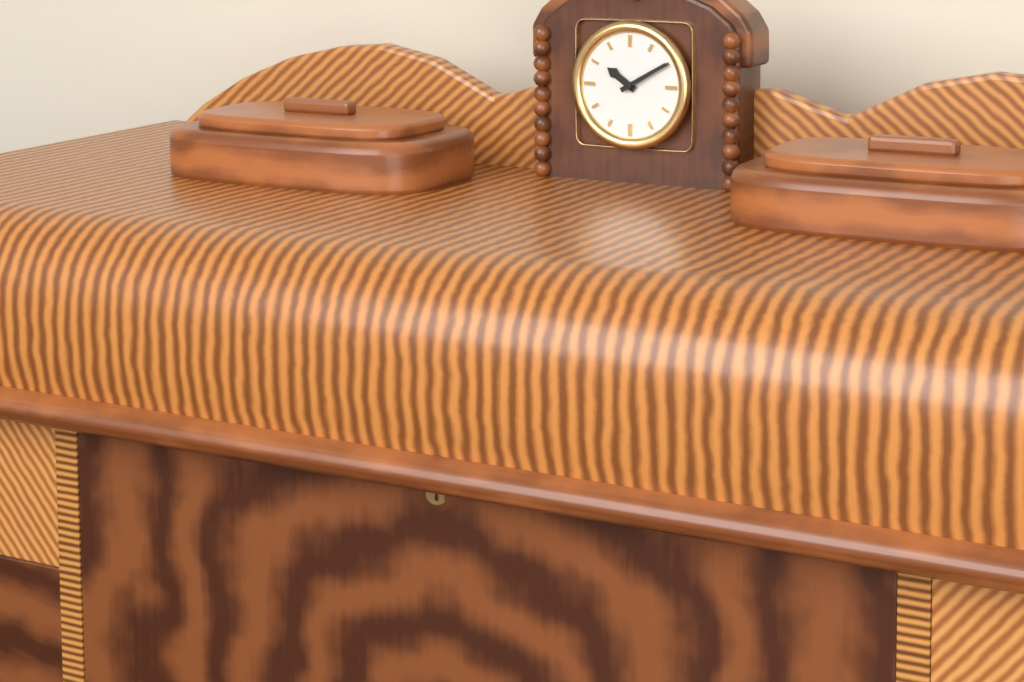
10:10
